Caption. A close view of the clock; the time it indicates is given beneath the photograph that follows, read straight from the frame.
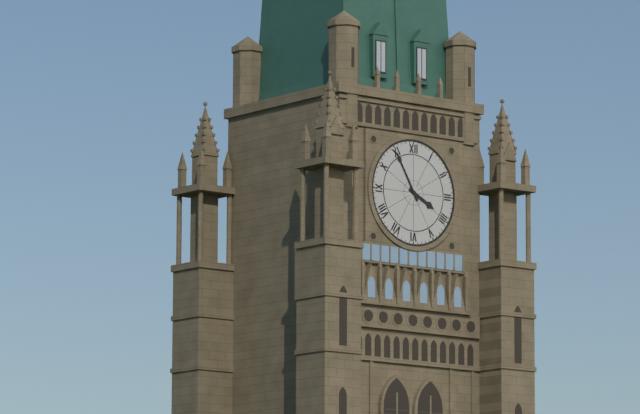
3:55
